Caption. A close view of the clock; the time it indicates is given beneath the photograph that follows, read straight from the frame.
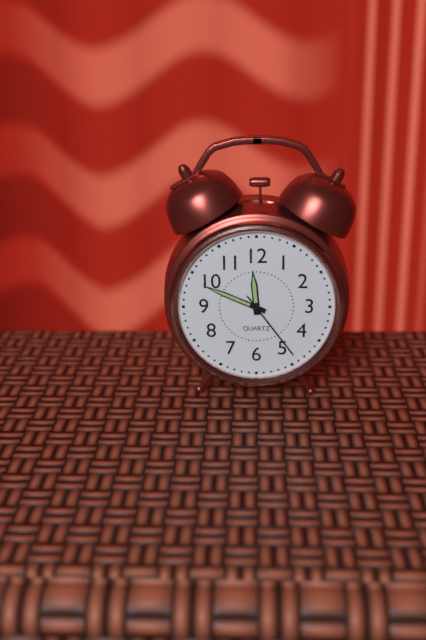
11:49:24
